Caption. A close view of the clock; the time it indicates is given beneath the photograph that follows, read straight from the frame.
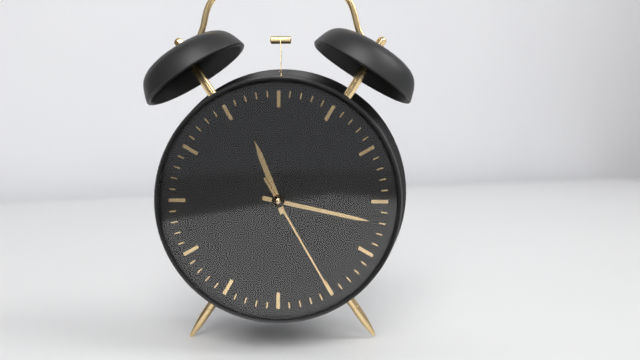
11:17:25
